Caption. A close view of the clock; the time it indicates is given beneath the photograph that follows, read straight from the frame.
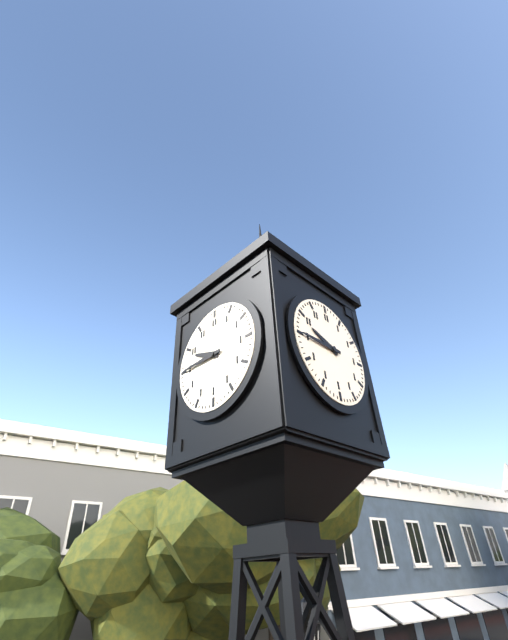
9:45
